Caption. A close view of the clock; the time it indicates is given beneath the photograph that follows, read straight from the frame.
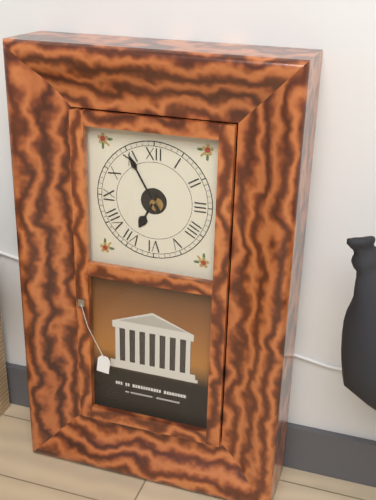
6:55
